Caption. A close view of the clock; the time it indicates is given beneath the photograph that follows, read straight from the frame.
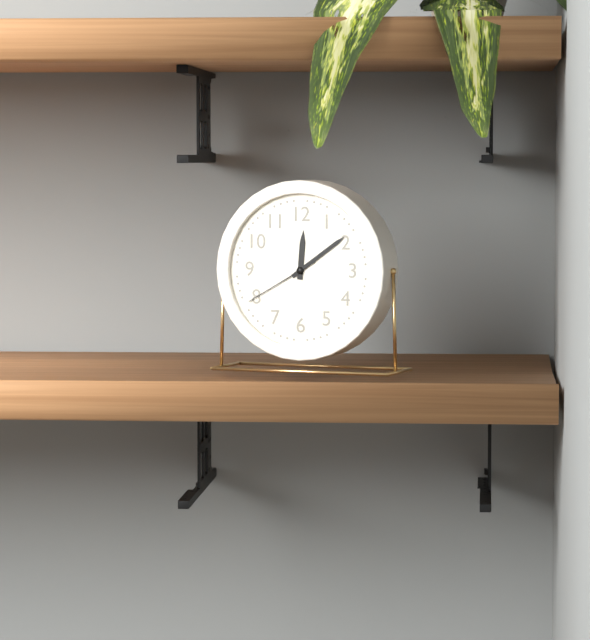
12:09:40
